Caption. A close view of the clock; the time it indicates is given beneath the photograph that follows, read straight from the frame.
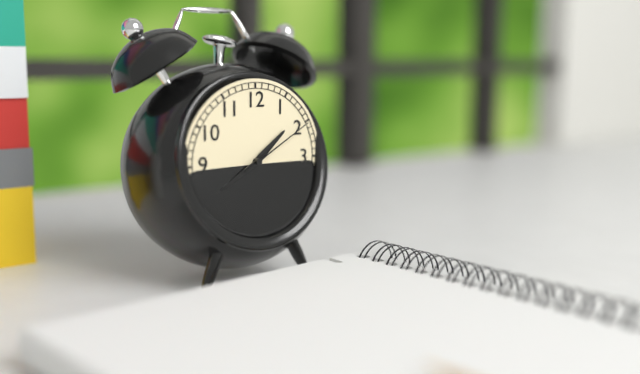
1:40:10
